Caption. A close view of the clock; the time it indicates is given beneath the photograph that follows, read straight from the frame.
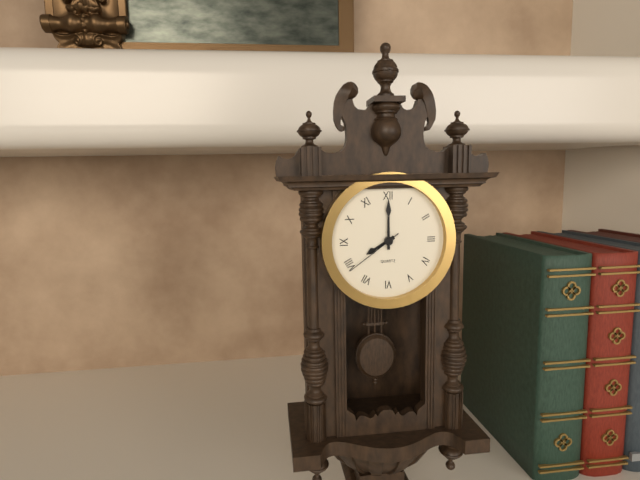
8:00:39
